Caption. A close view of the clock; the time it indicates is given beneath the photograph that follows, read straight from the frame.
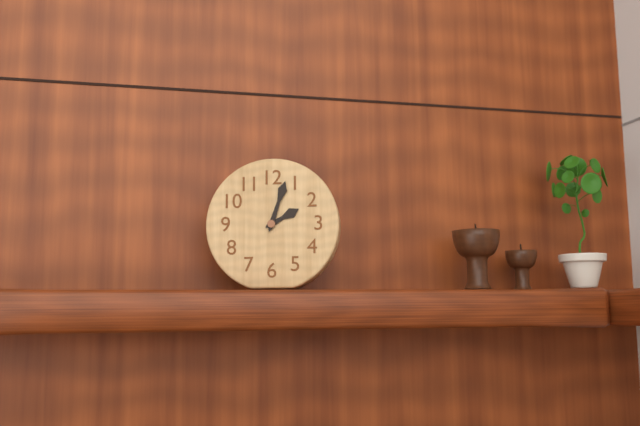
2:03
